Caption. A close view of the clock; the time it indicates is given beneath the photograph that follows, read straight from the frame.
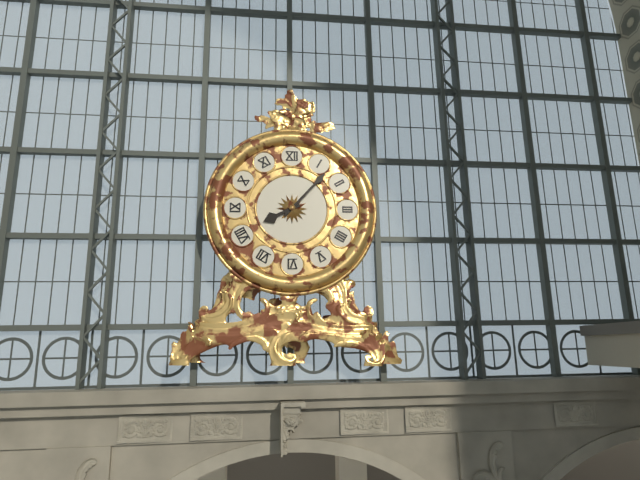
8:07
